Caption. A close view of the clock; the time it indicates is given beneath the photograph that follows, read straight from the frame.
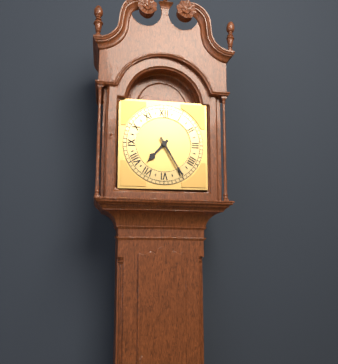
7:25
